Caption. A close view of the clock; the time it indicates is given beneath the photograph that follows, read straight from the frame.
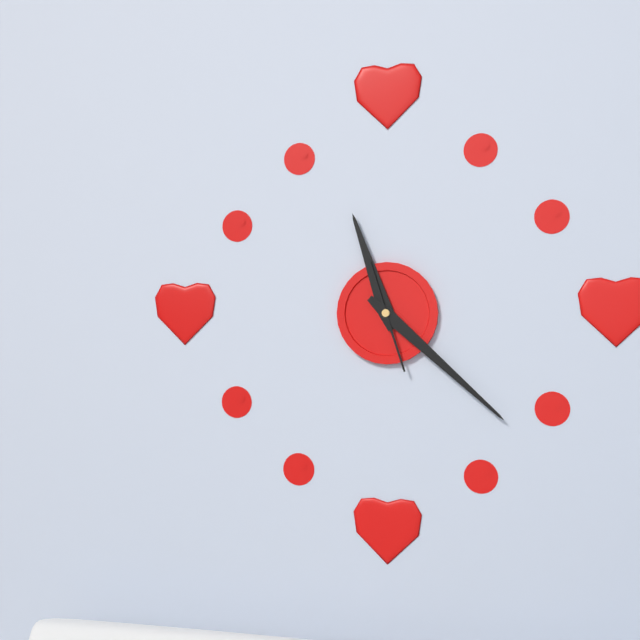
11:22:27
